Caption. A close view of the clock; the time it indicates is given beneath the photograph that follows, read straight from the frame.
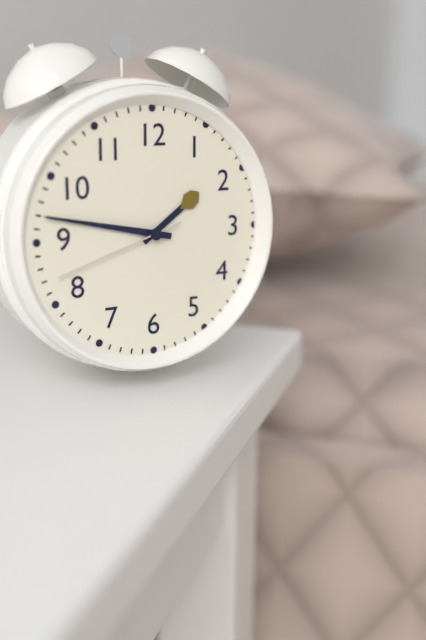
1:47:42
